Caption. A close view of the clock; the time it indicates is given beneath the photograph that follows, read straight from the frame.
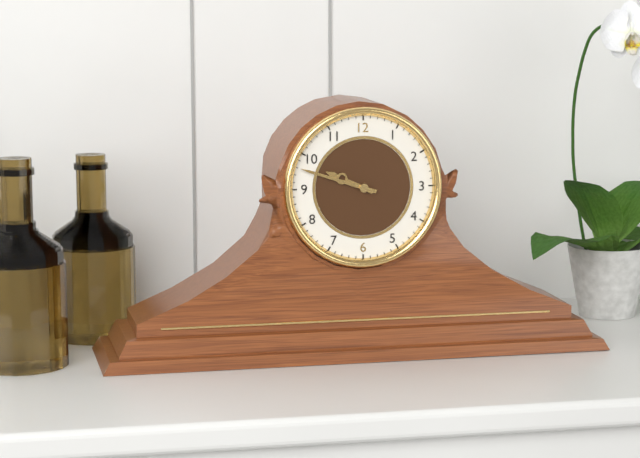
9:48
